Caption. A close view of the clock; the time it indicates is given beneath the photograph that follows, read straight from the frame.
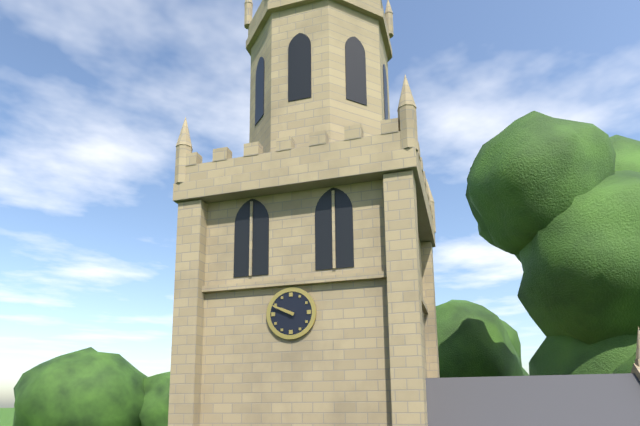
9:49
